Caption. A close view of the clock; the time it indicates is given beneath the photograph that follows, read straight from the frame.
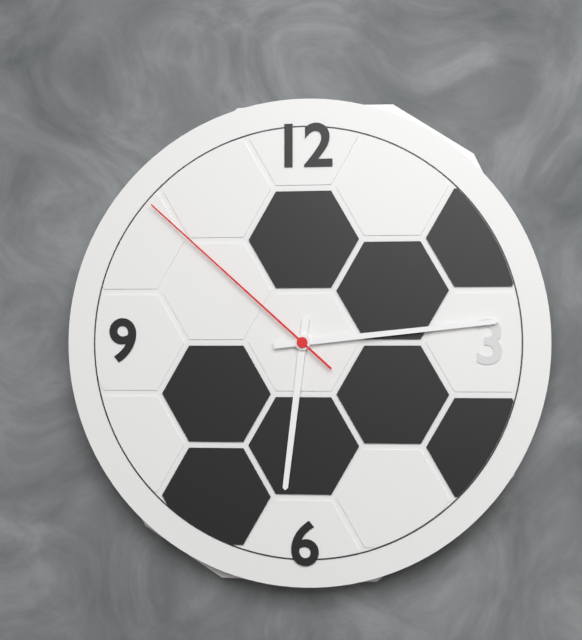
6:14:52
